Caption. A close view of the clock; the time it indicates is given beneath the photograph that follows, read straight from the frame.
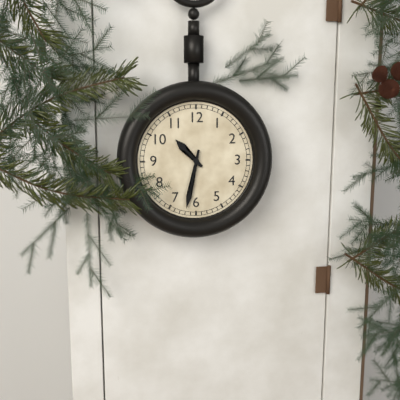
10:32
